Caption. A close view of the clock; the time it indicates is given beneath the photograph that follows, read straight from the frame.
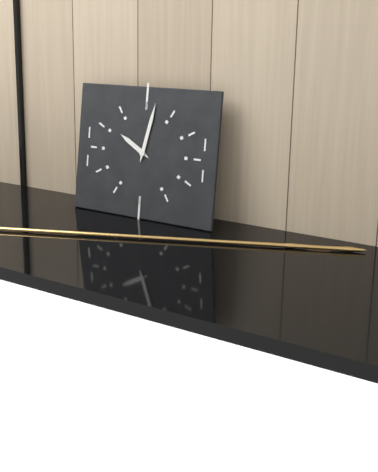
10:02
